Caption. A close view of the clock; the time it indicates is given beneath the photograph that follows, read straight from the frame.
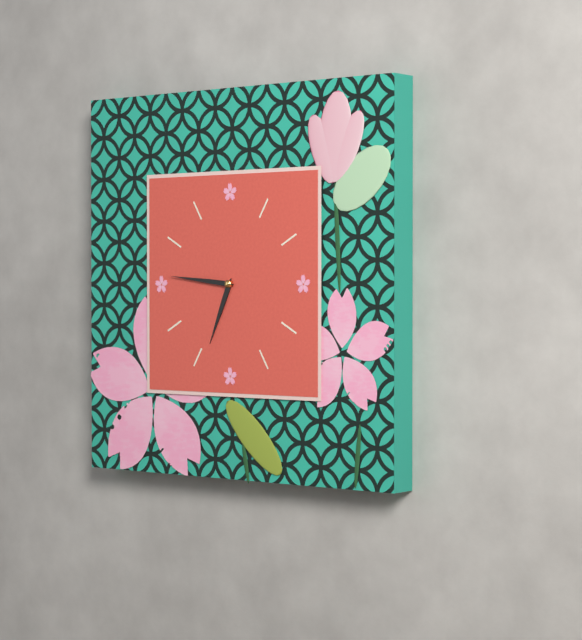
6:46
